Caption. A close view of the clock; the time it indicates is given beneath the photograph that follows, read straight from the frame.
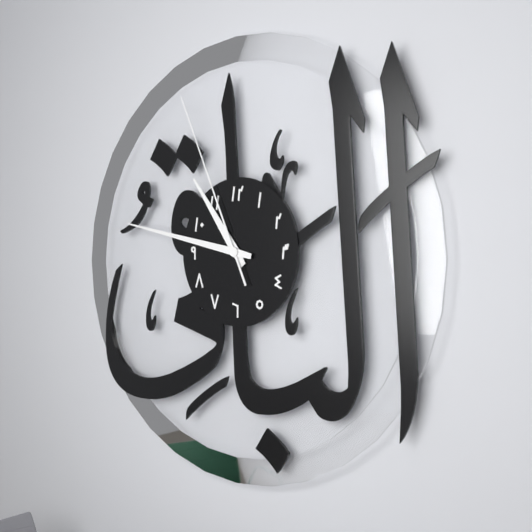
10:47:56
